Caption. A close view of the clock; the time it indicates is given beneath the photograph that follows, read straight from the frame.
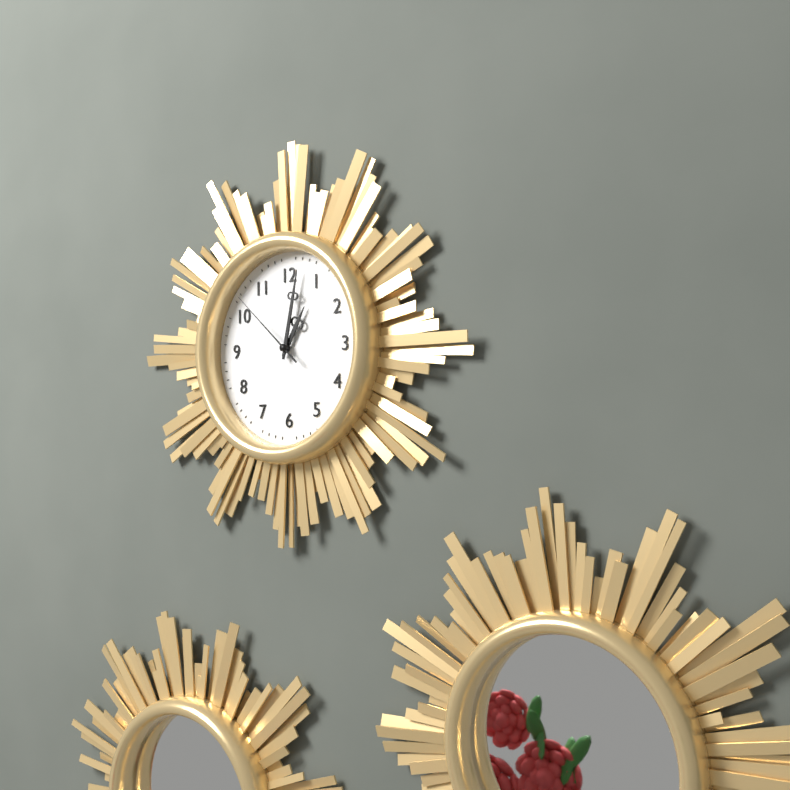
1:02:52
